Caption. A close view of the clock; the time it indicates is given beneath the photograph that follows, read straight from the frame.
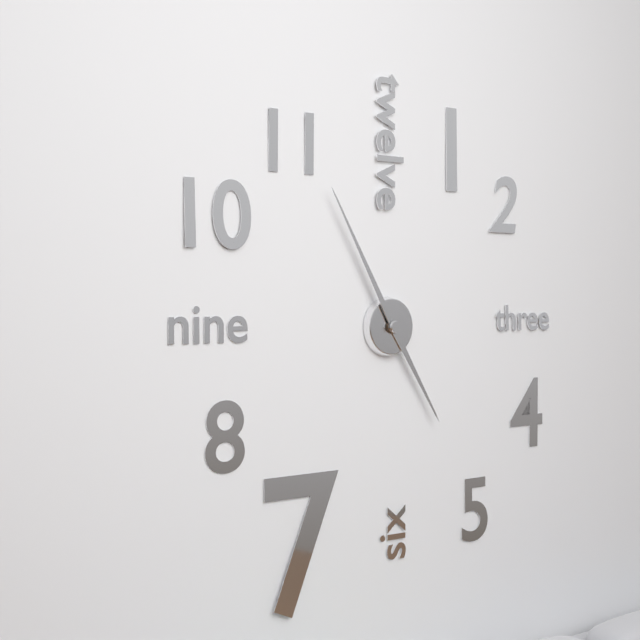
4:55
